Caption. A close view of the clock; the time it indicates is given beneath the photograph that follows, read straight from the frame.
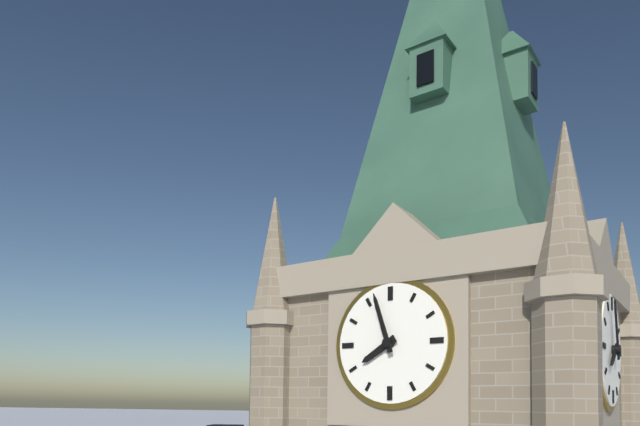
7:57
